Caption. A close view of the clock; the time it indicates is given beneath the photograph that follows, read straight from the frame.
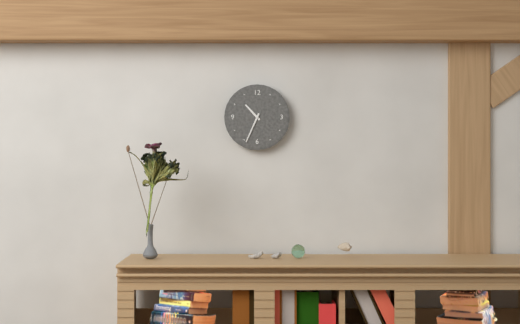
10:34
